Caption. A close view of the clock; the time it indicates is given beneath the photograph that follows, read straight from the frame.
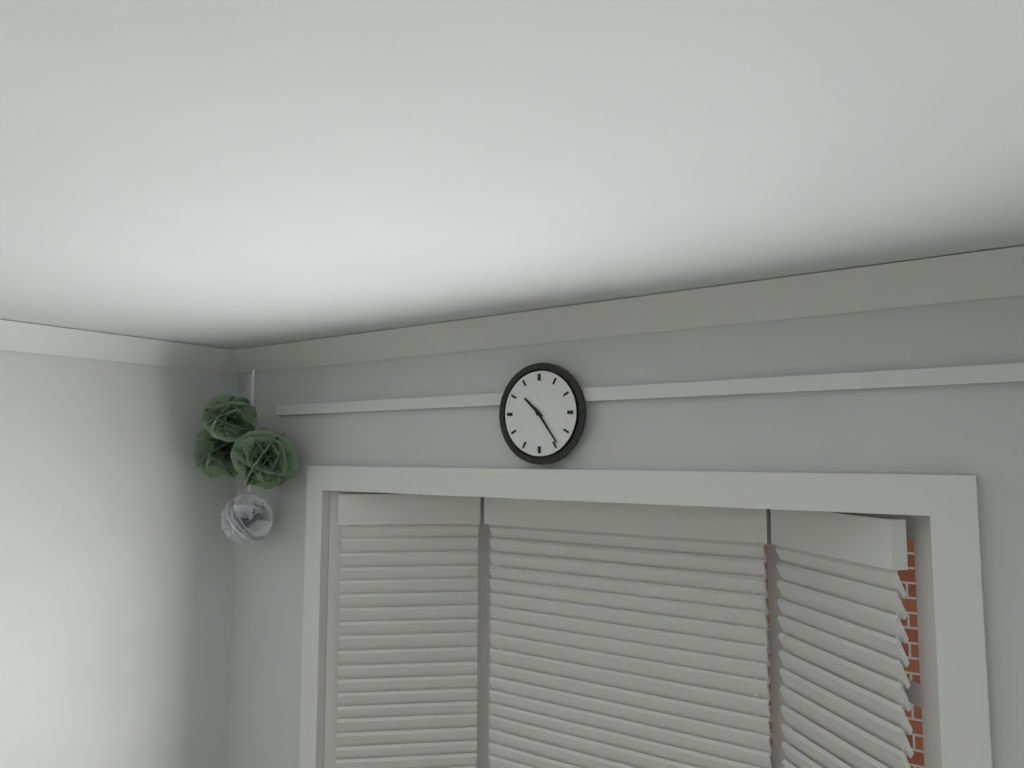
10:24
